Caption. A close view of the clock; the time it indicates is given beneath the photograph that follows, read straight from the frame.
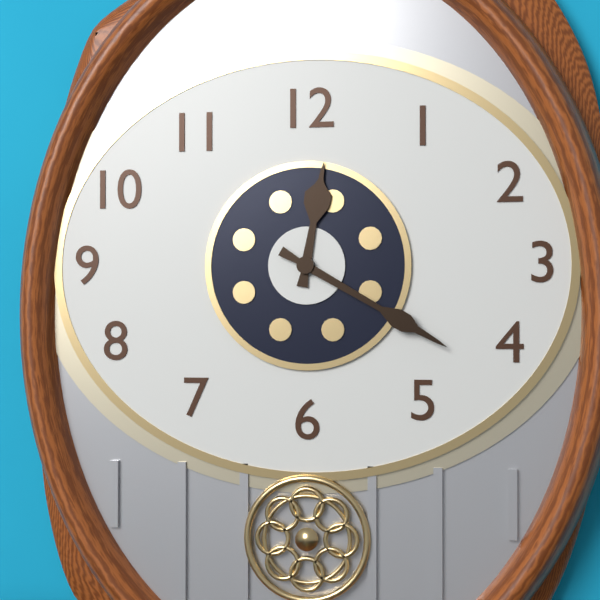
12:20
